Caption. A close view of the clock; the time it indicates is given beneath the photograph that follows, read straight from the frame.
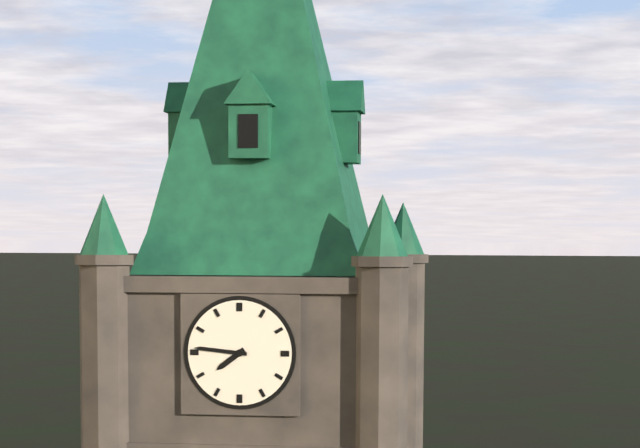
7:46
